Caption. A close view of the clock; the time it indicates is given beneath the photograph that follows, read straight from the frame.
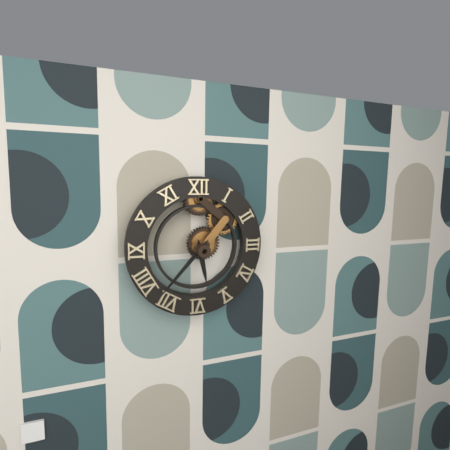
5:37
